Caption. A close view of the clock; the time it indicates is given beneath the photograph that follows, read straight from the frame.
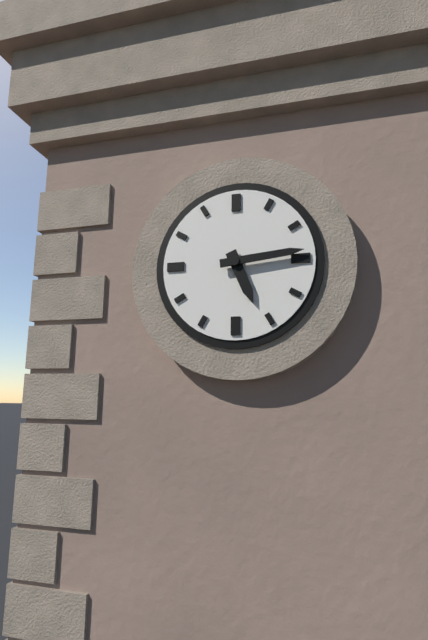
5:14
